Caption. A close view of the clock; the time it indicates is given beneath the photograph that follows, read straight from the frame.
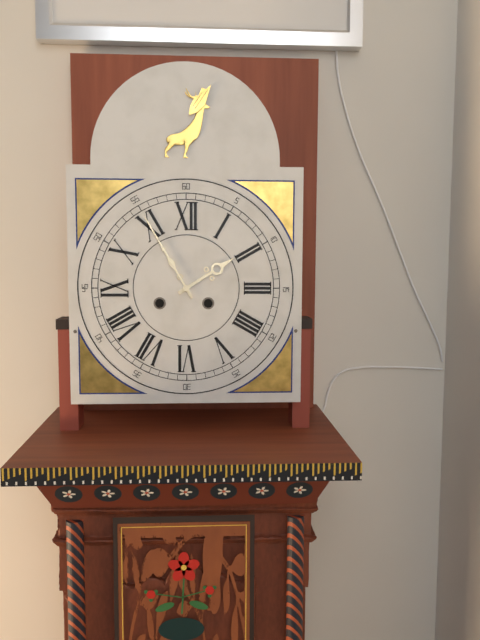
1:55
